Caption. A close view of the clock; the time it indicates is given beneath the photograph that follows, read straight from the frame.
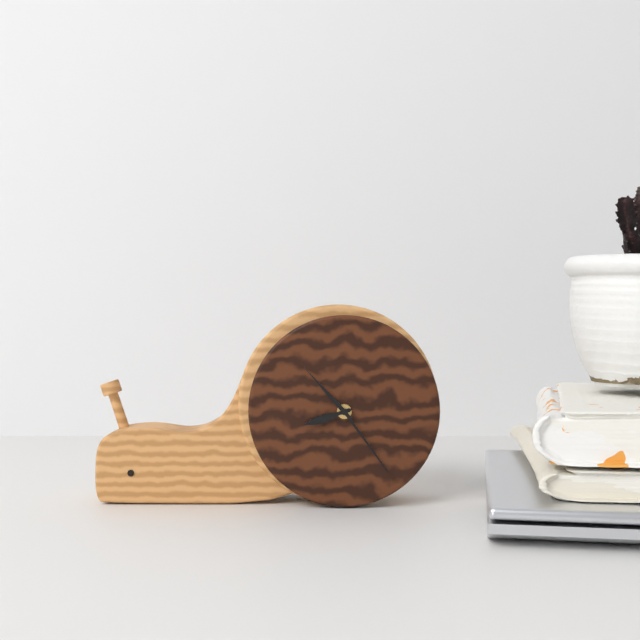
8:24:53
